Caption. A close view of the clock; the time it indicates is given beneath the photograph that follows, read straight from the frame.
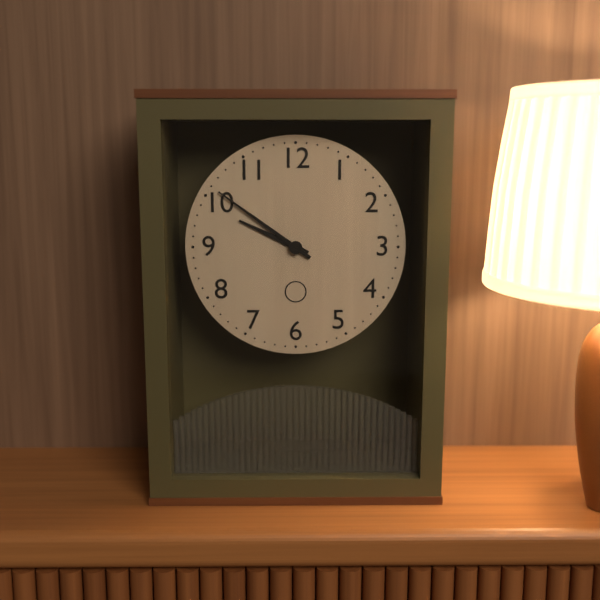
9:51
